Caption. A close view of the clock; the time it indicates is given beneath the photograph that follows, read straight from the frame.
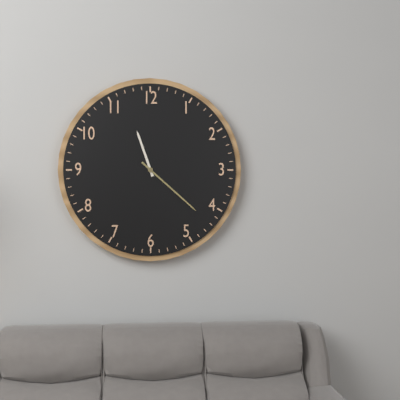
11:22
